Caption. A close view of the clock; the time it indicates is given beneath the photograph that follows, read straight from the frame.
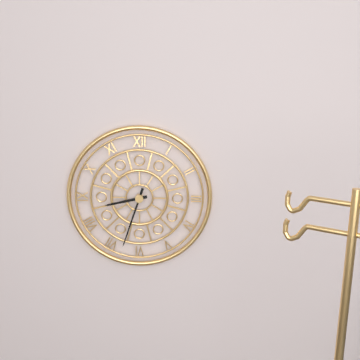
8:33
